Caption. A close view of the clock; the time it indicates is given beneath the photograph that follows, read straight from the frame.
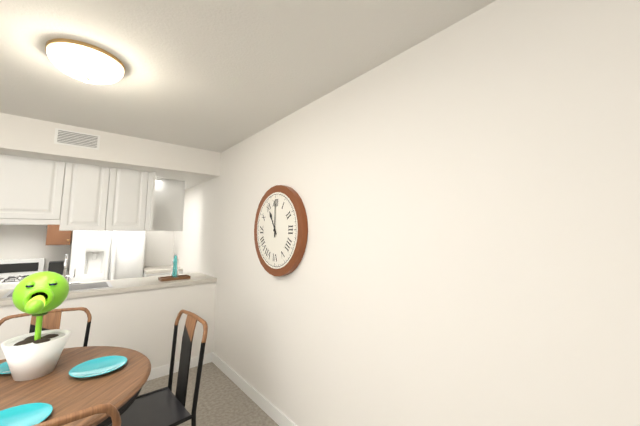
11:00
